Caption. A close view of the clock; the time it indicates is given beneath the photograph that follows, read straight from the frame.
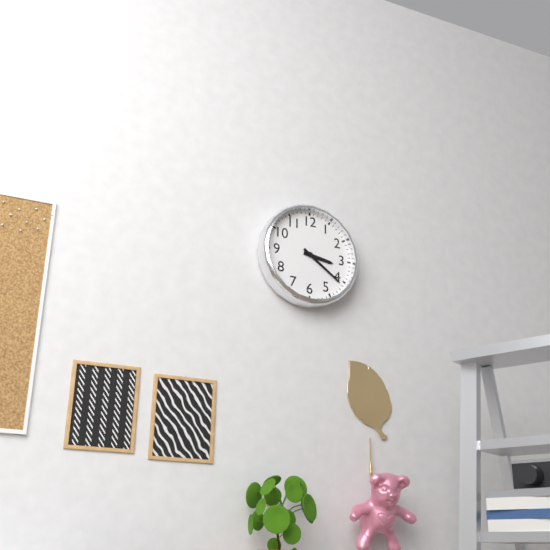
3:21
